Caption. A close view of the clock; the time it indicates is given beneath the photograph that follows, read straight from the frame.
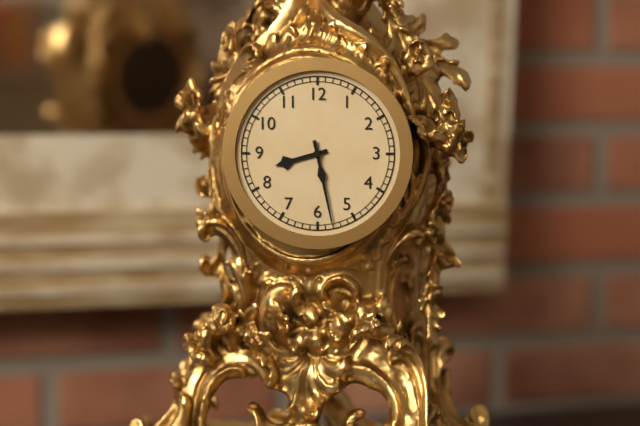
8:28
